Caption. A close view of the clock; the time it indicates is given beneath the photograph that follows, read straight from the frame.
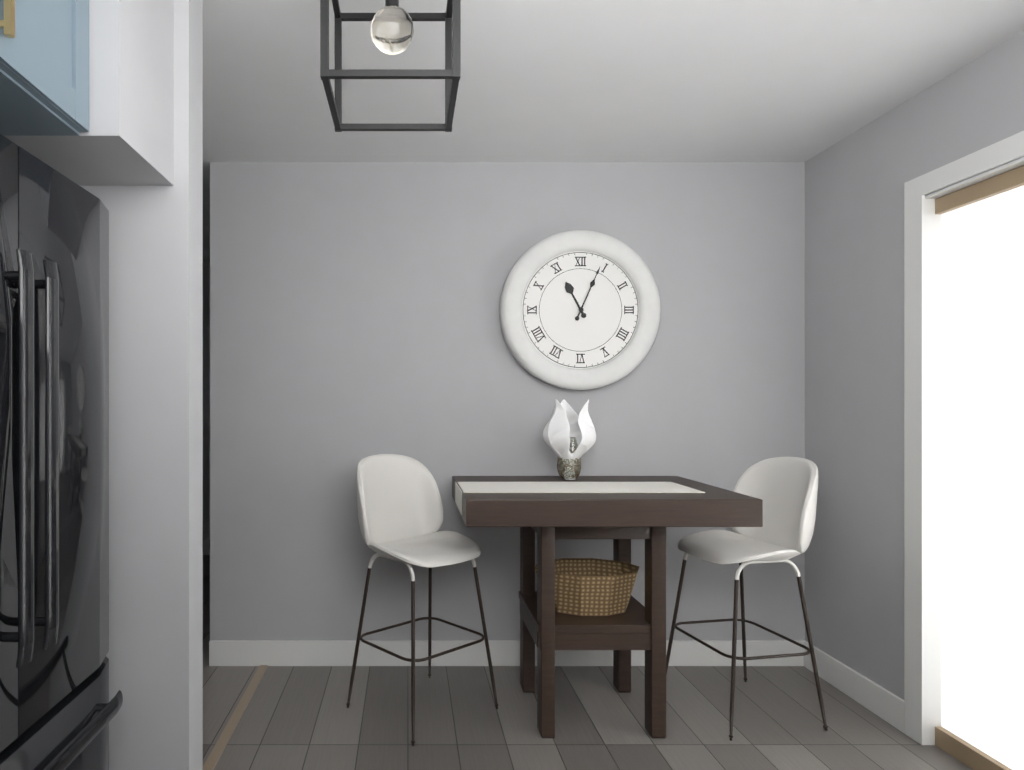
11:04
